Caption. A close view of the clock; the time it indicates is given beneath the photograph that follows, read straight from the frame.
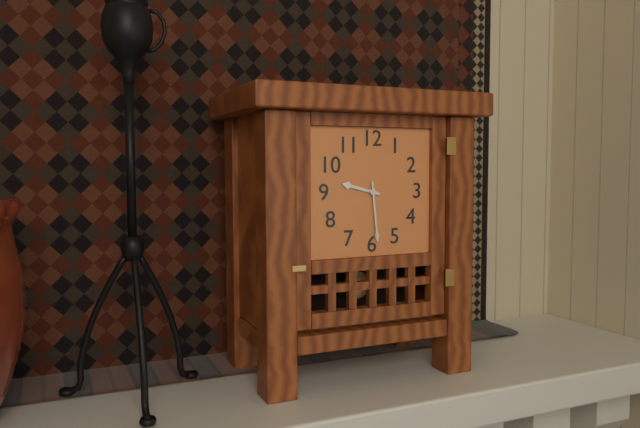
9:29
